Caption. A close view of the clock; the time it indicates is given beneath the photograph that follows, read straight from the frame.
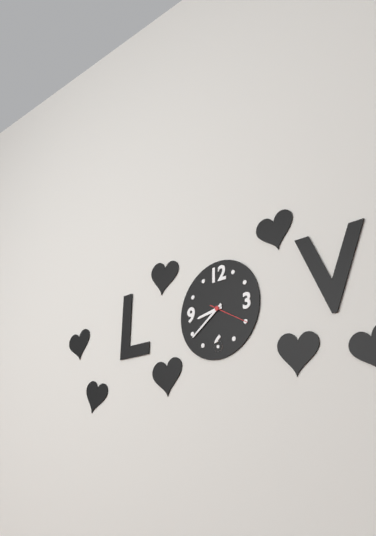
8:39
